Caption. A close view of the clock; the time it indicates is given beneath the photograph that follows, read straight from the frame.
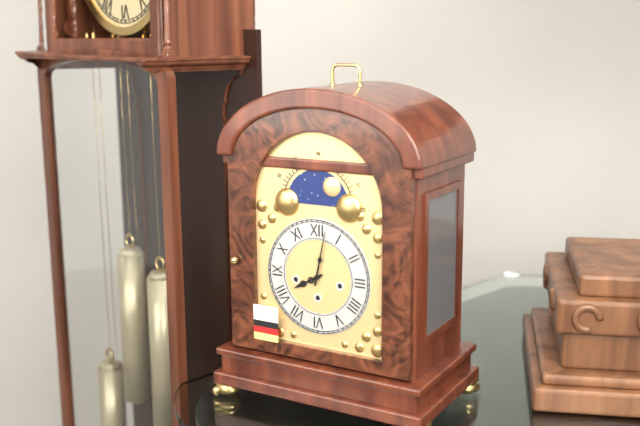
8:02
